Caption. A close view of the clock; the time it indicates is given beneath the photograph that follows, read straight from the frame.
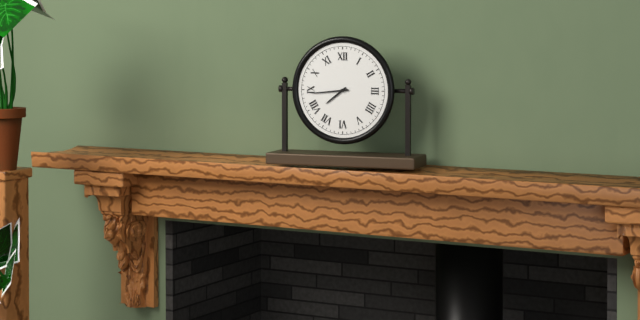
7:44
